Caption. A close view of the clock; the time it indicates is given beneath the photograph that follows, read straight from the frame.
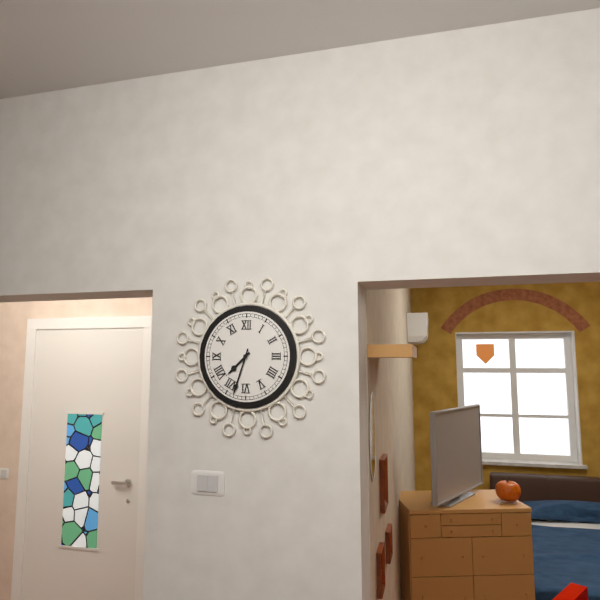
7:33
